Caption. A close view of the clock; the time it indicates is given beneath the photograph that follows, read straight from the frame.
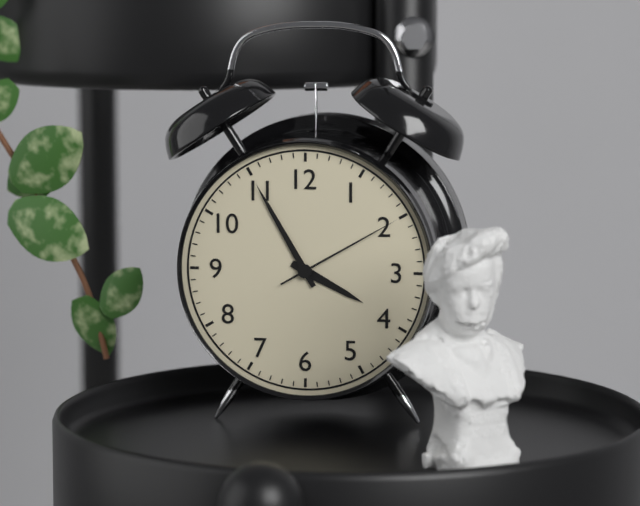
3:55:10
